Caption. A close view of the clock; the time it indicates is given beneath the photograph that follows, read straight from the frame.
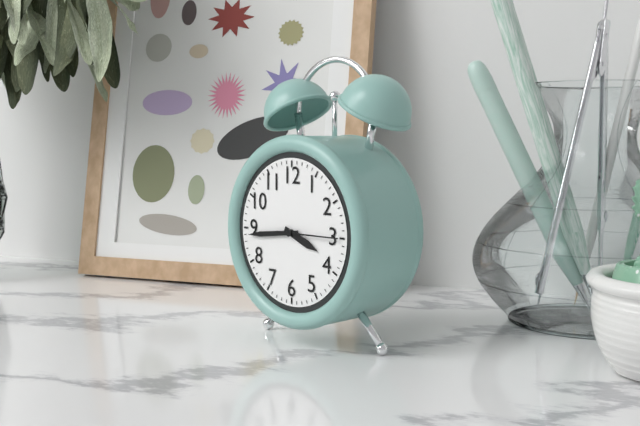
3:44:15
